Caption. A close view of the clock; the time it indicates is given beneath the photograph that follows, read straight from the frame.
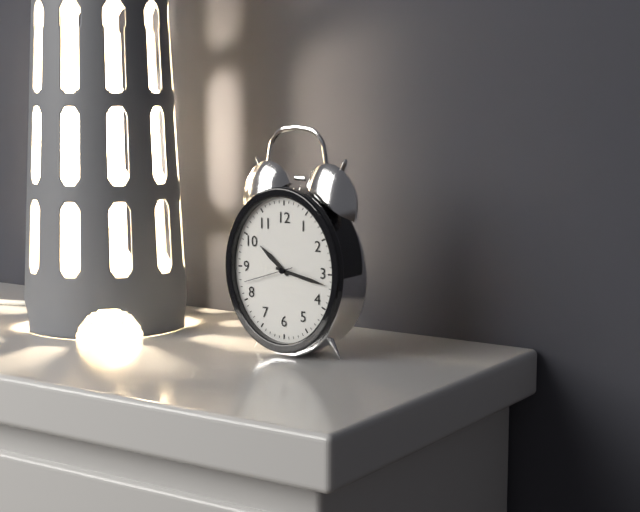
10:17:42
